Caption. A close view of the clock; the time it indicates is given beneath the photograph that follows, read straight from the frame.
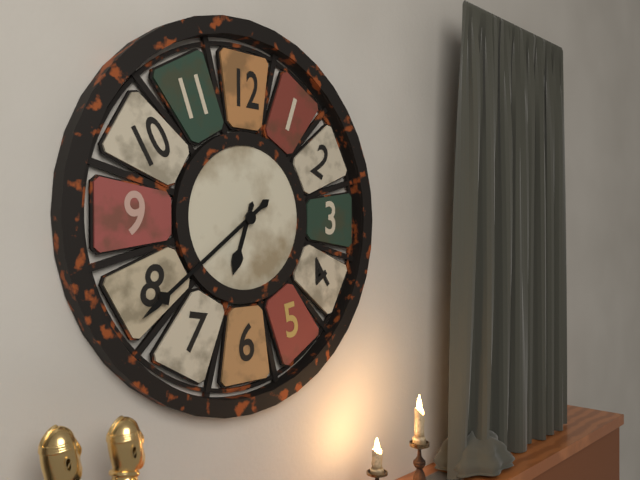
6:39
